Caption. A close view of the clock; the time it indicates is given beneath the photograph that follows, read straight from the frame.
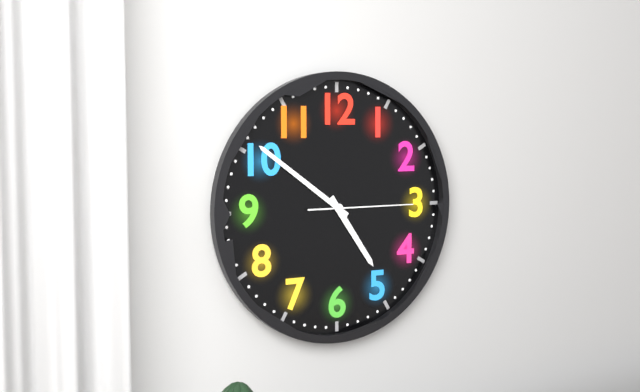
4:51:15
